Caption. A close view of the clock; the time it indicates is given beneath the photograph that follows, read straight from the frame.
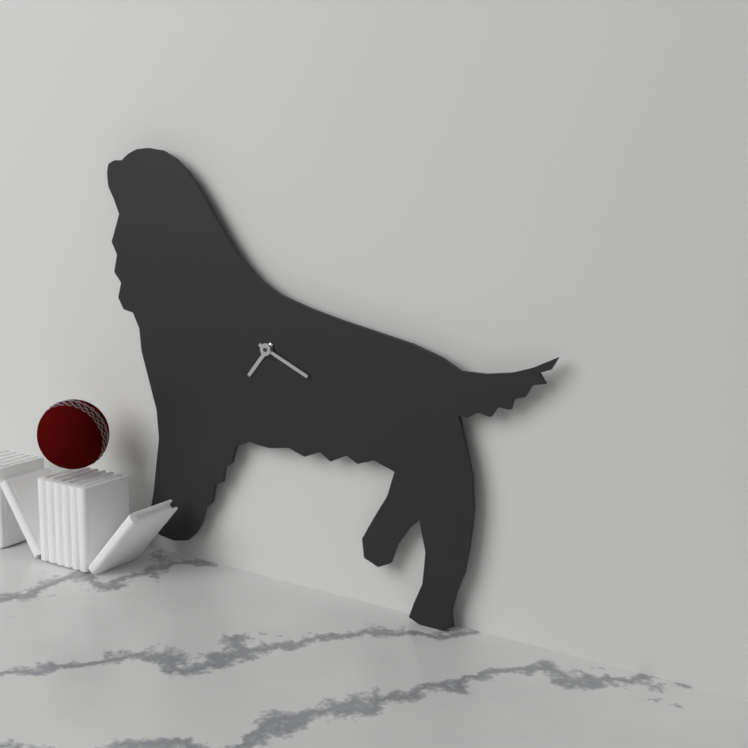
7:19
